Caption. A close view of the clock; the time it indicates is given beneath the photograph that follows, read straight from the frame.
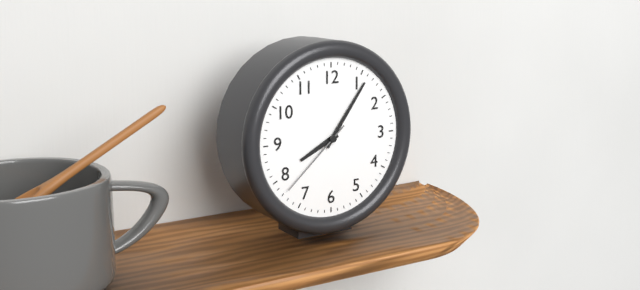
8:06:38
